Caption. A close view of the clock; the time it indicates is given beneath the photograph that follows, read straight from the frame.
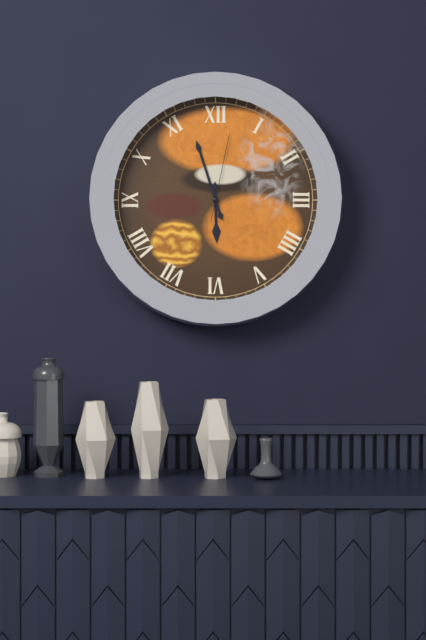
5:57:02
